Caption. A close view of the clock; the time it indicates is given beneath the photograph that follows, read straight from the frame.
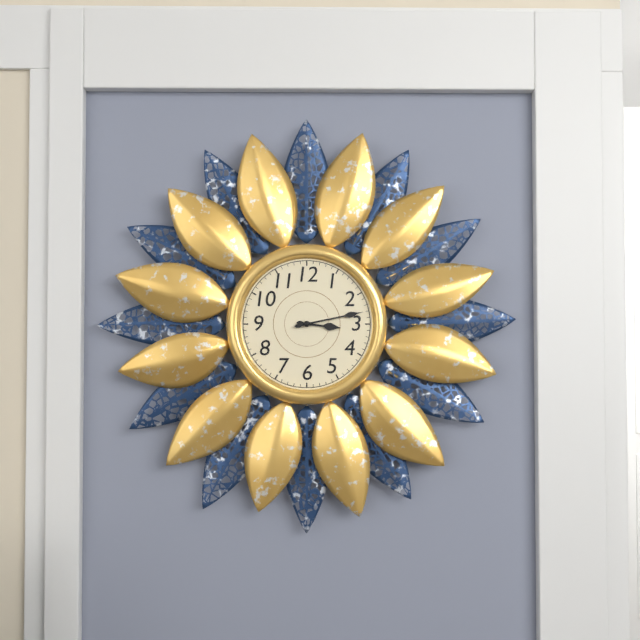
3:13
